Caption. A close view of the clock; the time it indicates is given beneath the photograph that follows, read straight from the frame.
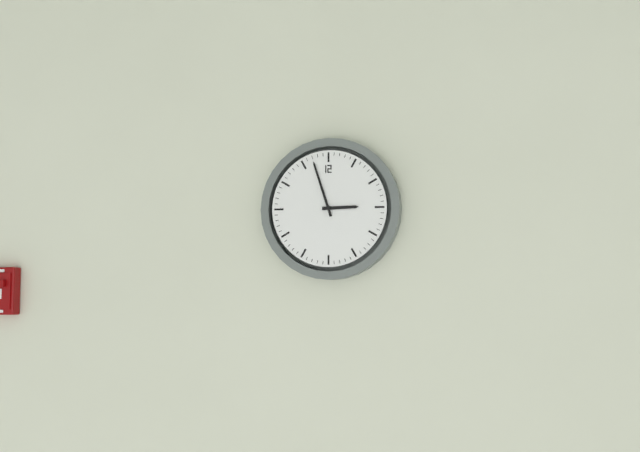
2:57
